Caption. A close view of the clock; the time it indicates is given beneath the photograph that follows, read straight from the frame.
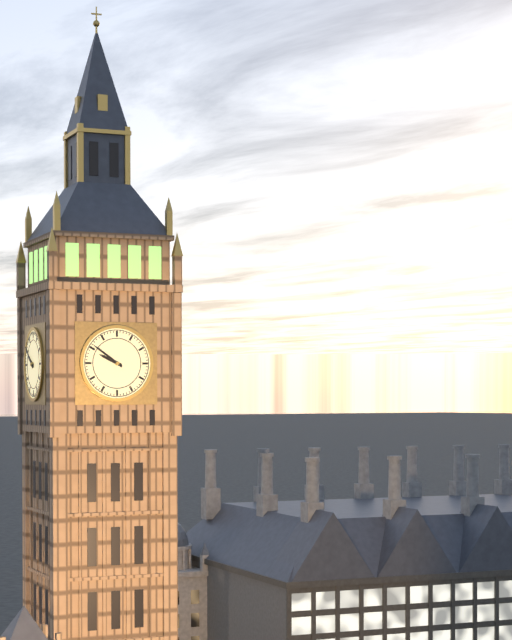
9:51
